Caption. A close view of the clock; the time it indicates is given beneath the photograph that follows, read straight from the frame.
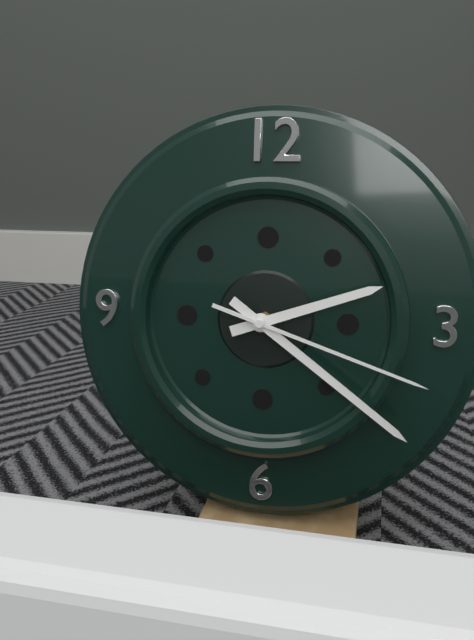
2:21:18
